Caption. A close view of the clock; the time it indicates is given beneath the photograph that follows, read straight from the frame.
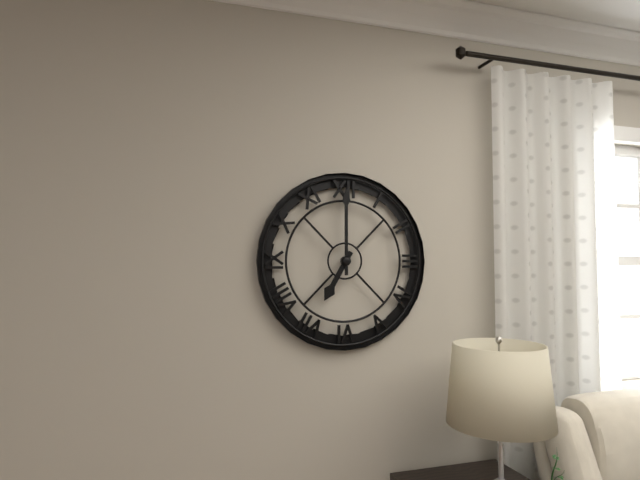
7:00
